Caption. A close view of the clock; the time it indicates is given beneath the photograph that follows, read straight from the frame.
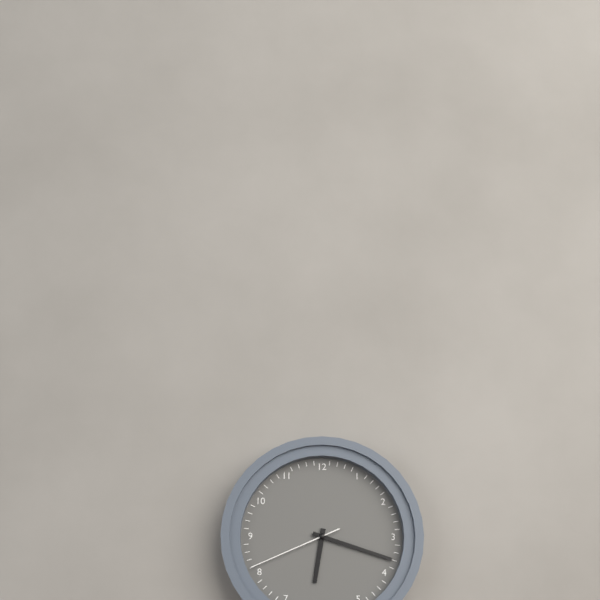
6:18:41
